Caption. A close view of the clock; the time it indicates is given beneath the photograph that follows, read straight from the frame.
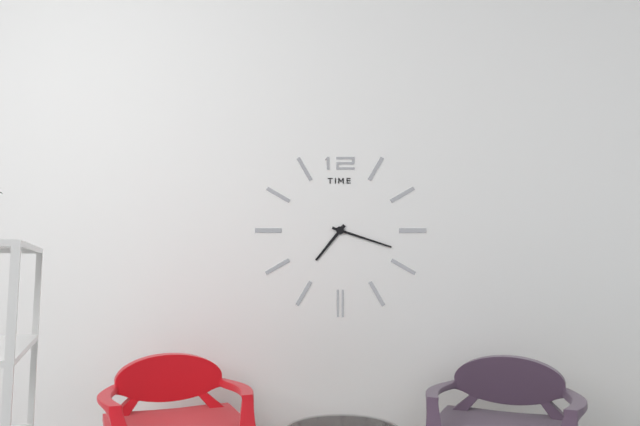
7:18
